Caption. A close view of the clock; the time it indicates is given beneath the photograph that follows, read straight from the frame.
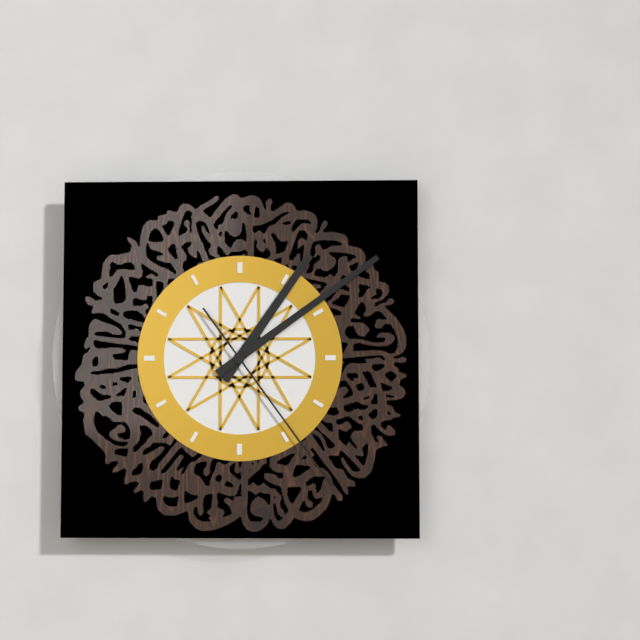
1:09:24
